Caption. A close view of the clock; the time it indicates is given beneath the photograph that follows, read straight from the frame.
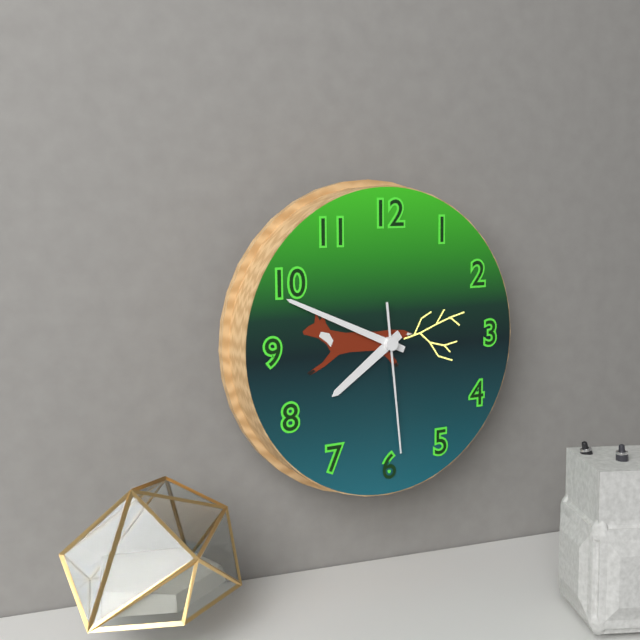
7:49:29
